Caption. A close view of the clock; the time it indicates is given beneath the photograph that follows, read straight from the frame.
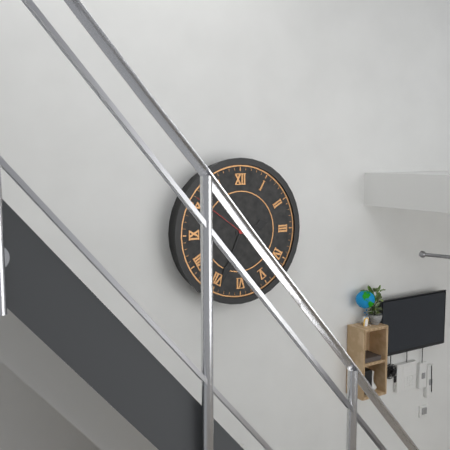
2:34:51
